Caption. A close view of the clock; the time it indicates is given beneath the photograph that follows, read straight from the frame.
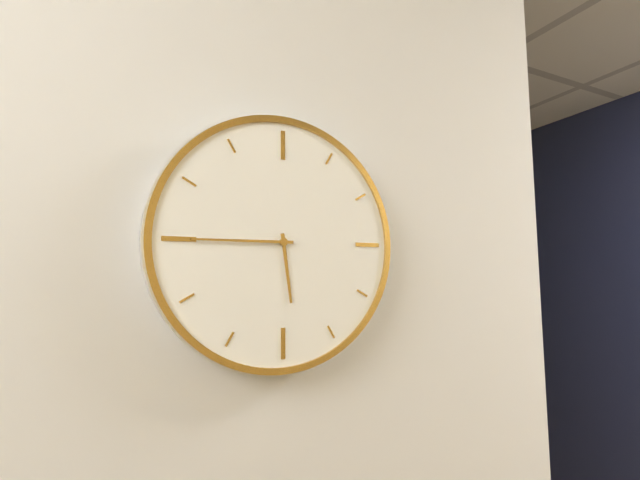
5:45
